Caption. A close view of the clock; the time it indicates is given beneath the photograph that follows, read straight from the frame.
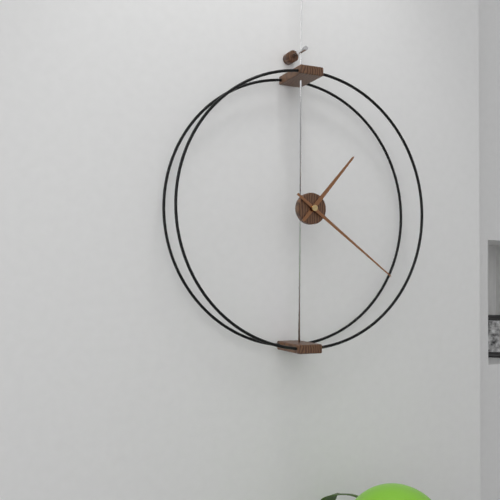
1:21
